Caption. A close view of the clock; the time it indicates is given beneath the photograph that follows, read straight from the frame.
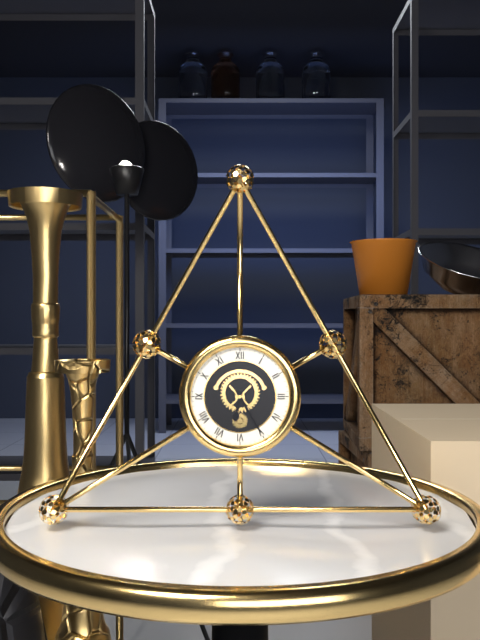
6:25
